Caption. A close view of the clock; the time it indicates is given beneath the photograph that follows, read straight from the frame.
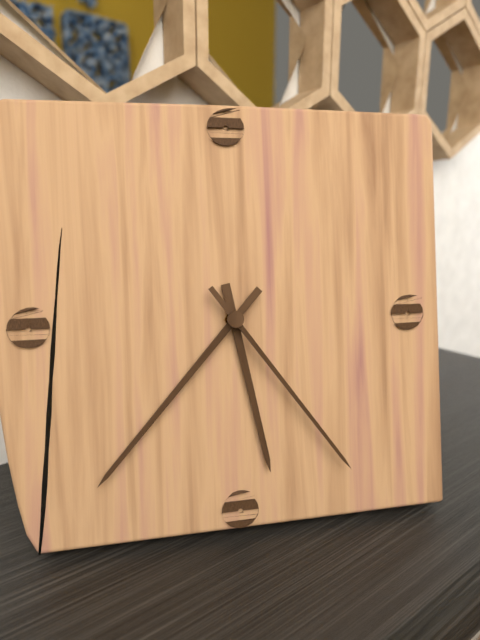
5:37:24
